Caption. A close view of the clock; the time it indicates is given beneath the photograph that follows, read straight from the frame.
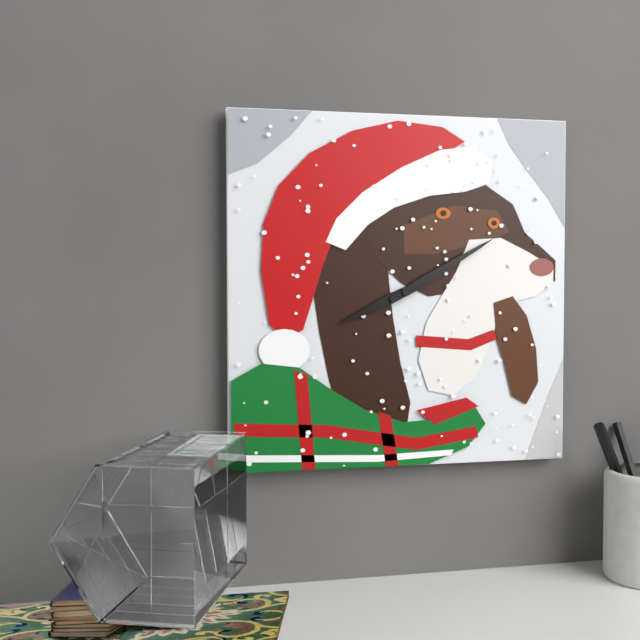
8:10
